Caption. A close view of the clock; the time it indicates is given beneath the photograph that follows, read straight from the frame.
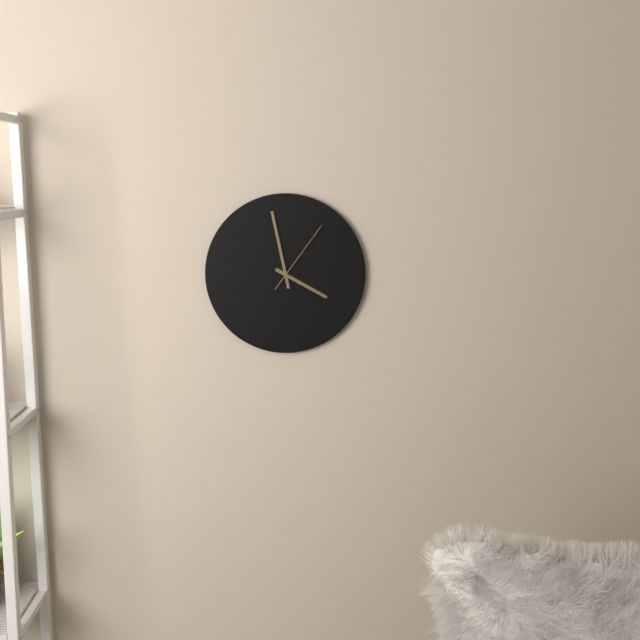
3:58:06
